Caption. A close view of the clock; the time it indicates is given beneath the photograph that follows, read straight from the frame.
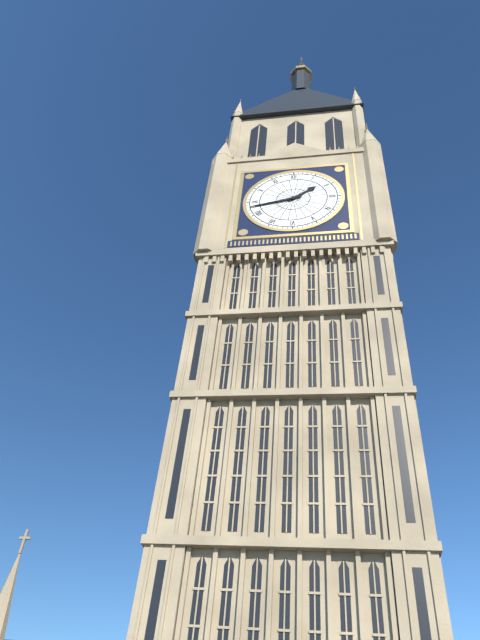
1:43
